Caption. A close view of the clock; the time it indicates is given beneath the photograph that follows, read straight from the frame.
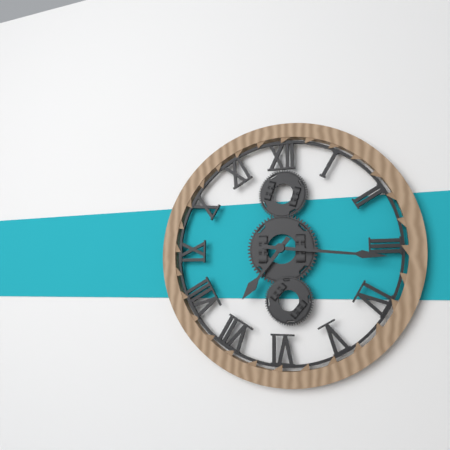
7:16
